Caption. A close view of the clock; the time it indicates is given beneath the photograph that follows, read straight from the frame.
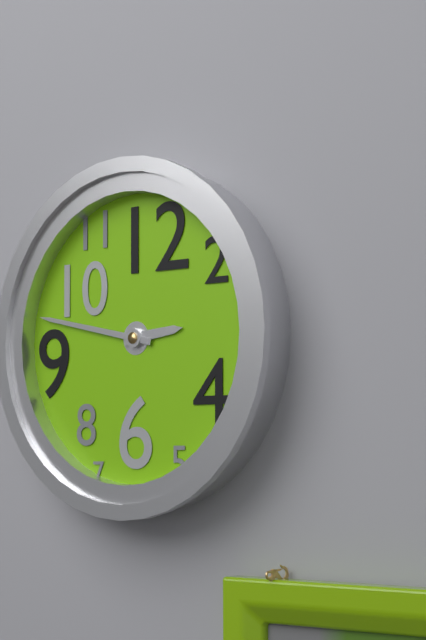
2:47
